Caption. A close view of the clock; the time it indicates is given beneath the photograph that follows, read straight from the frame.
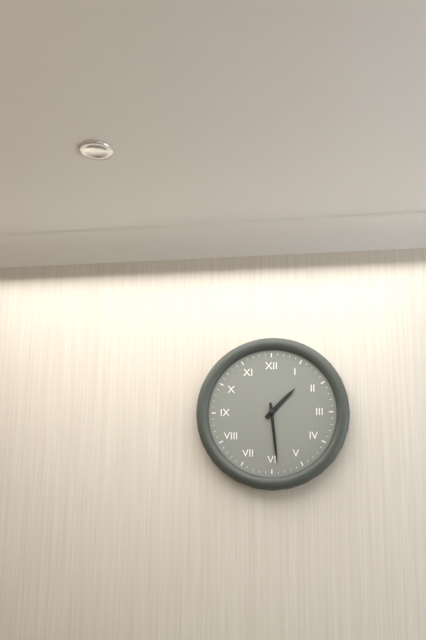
1:29
